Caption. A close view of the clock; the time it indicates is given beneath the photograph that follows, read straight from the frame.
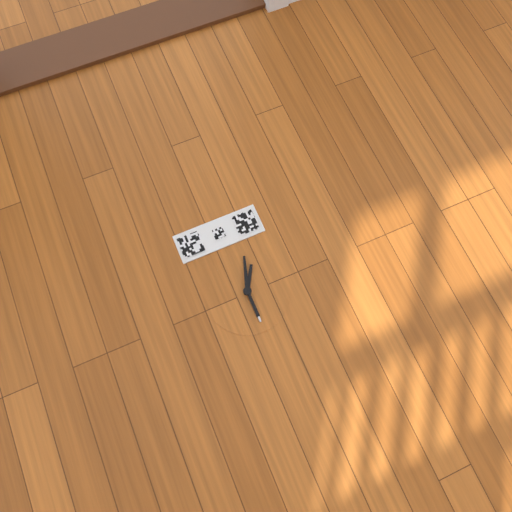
1:03
